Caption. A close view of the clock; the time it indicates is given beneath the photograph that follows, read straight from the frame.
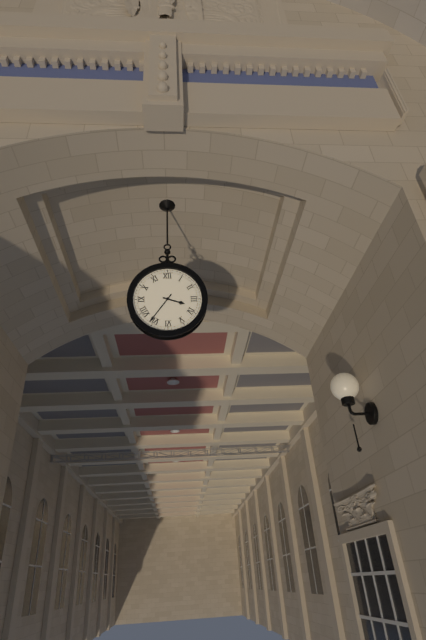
3:36
